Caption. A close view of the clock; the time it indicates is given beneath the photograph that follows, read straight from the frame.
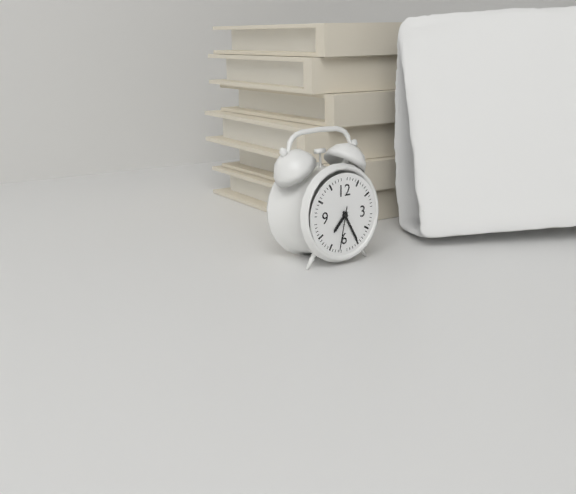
7:25
